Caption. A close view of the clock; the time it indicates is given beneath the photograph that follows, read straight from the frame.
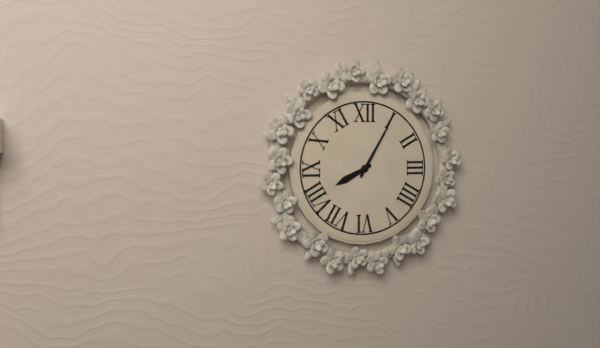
8:05
